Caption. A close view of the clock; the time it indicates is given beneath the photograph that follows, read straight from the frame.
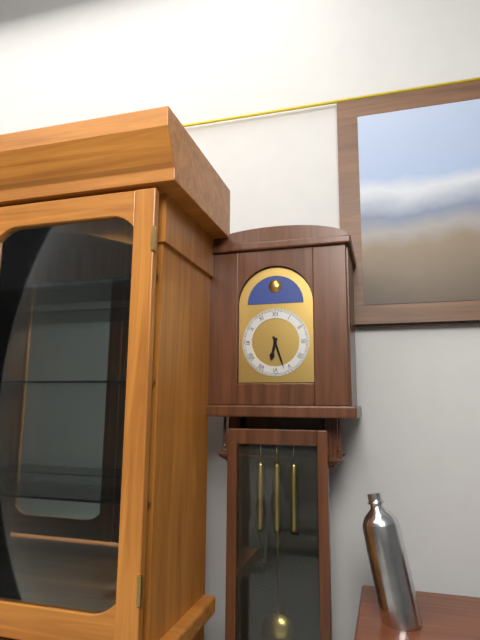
6:27
